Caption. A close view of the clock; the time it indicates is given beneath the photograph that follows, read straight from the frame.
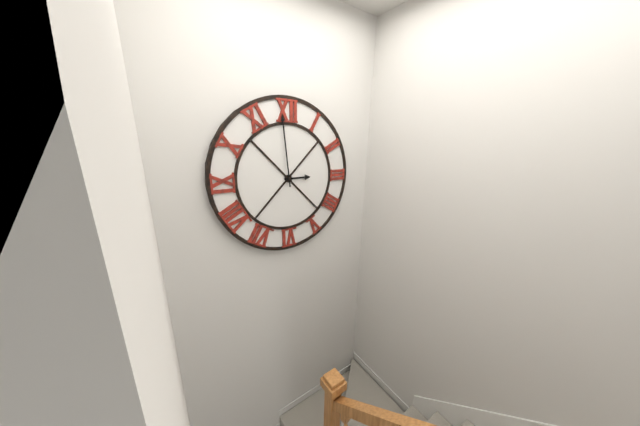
2:59
